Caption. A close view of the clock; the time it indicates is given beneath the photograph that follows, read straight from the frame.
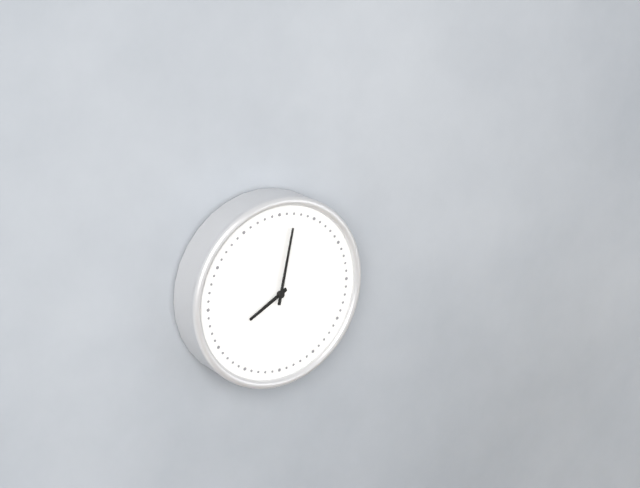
8:02
